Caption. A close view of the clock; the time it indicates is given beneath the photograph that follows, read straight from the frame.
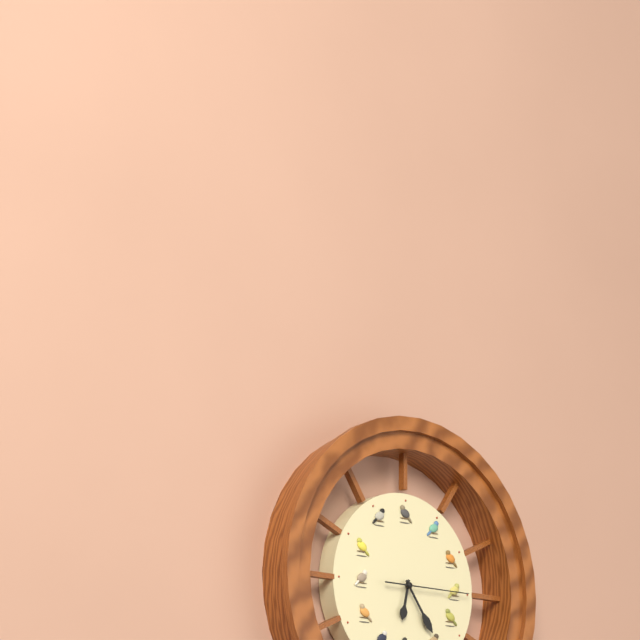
6:24:15
